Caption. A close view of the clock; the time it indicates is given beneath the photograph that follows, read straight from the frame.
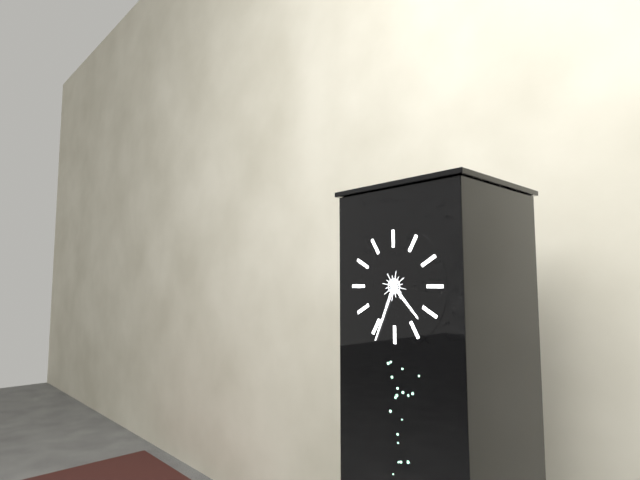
4:34
